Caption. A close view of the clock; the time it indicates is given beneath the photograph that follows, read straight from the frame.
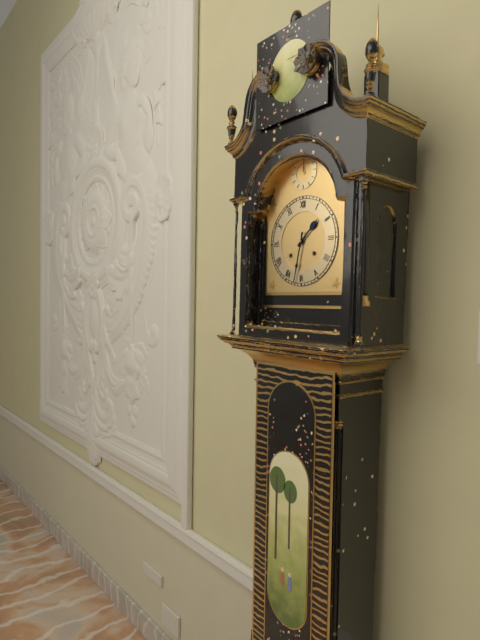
1:32
